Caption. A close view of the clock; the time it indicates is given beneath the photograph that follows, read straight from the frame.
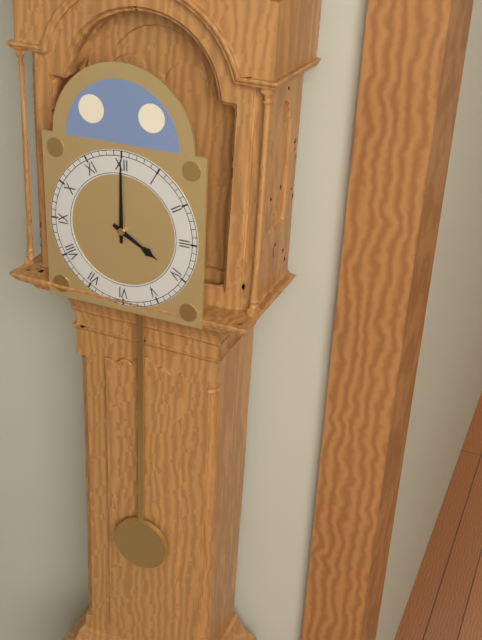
4:00
